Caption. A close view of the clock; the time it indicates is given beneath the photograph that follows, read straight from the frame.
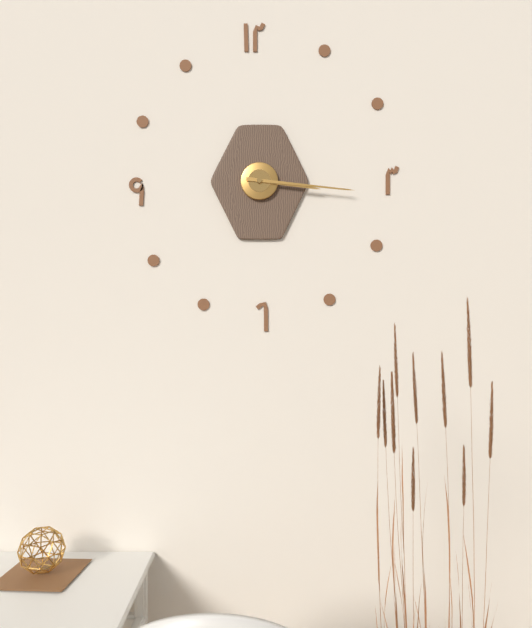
3:16
